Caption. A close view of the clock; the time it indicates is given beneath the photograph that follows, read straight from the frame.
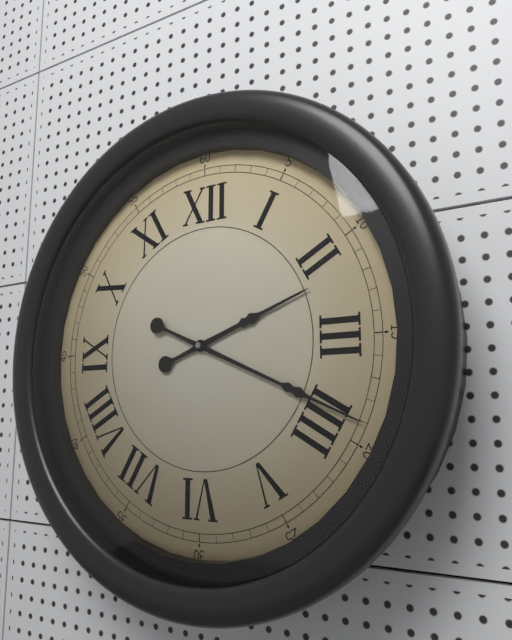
2:19
